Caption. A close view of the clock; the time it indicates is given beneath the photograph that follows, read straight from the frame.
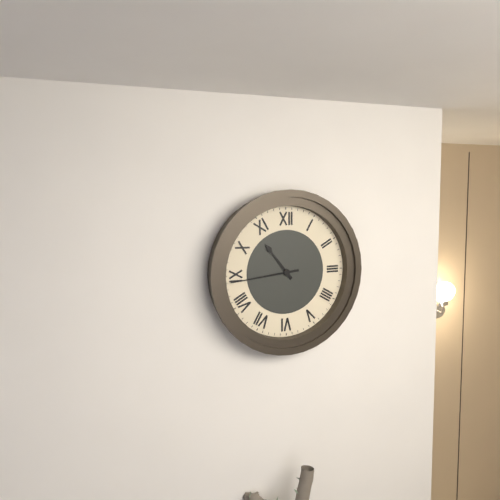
10:44
